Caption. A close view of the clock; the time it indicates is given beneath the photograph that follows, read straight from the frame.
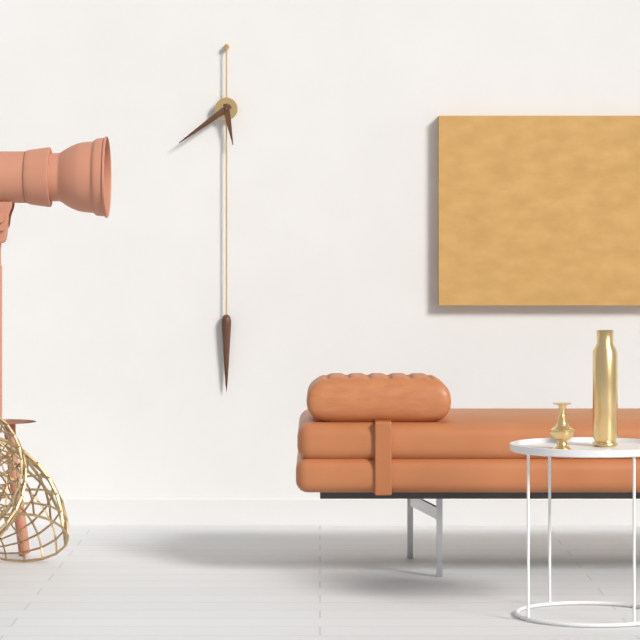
5:39
